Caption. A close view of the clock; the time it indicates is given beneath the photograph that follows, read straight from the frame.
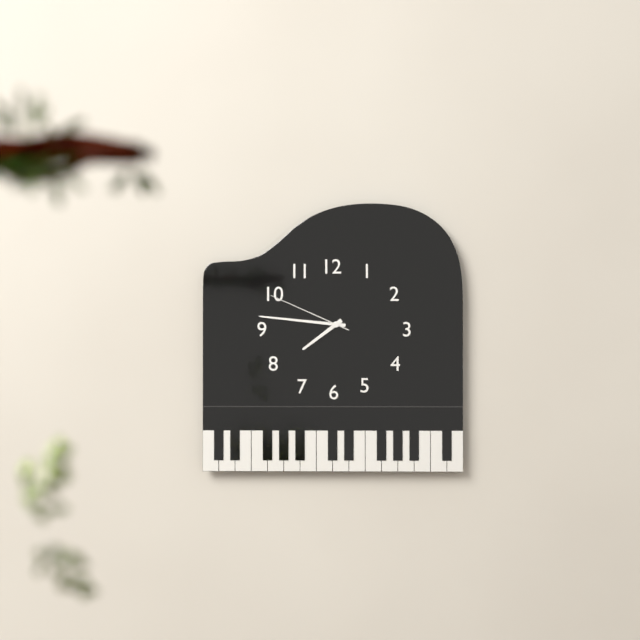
7:46:49
